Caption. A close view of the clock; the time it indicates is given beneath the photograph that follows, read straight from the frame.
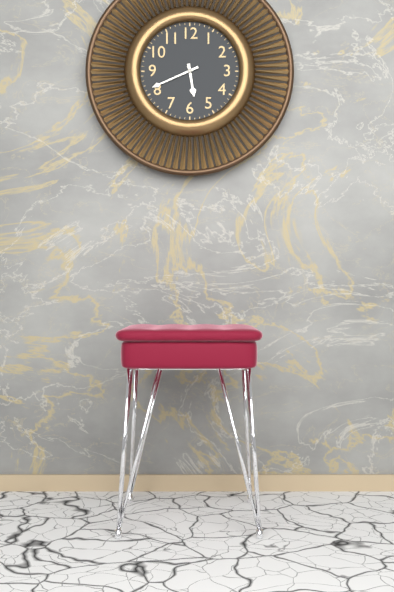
5:41
